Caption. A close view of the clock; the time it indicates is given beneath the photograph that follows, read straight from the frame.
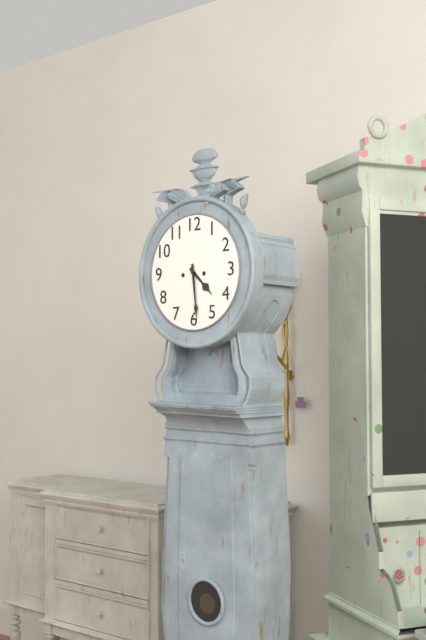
4:29
